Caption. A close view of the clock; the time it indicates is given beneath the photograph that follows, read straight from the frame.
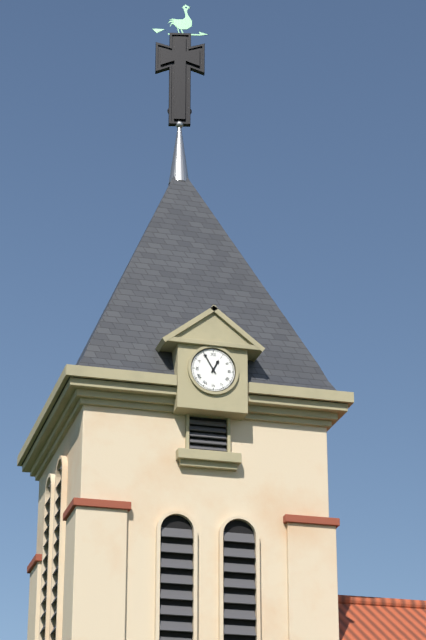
12:55
